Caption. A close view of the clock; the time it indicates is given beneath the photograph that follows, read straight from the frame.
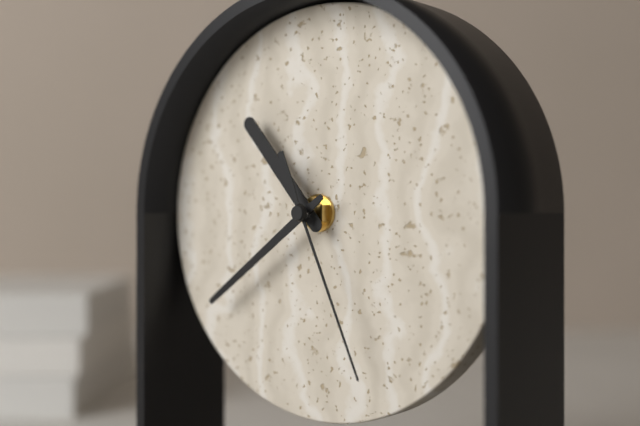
10:39:26
